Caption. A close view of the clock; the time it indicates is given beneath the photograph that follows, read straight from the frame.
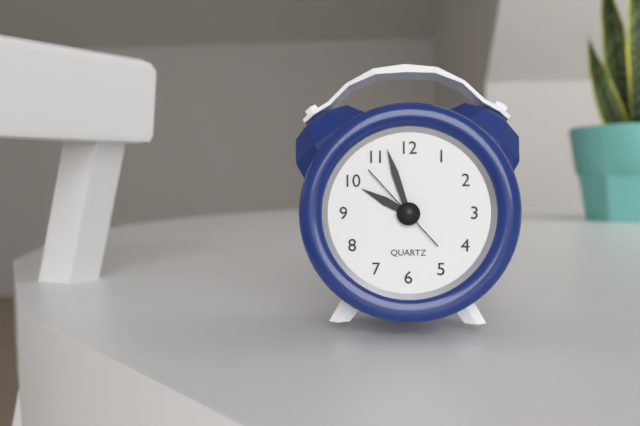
9:57:53
